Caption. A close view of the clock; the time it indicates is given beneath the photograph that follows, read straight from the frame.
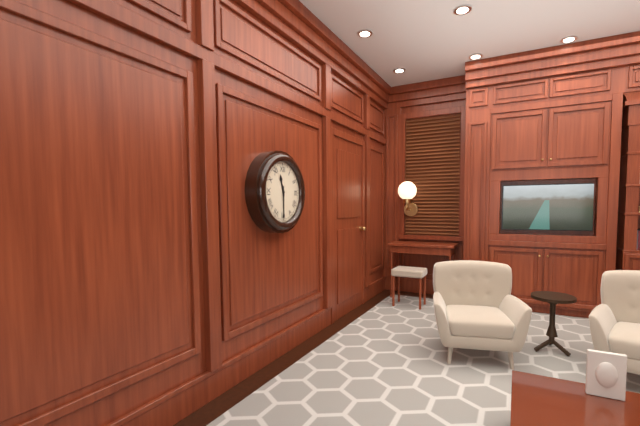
11:30
